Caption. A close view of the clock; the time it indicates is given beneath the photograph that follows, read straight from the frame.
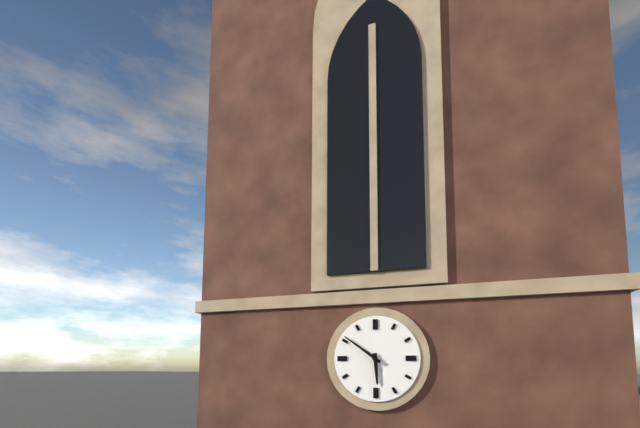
5:51
